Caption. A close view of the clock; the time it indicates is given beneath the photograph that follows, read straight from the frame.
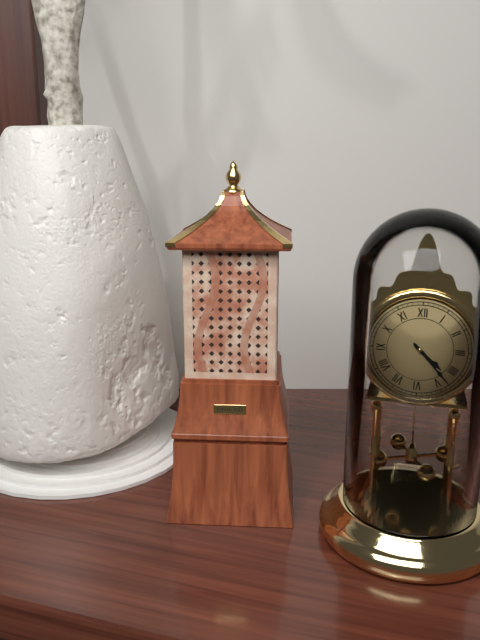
4:23
